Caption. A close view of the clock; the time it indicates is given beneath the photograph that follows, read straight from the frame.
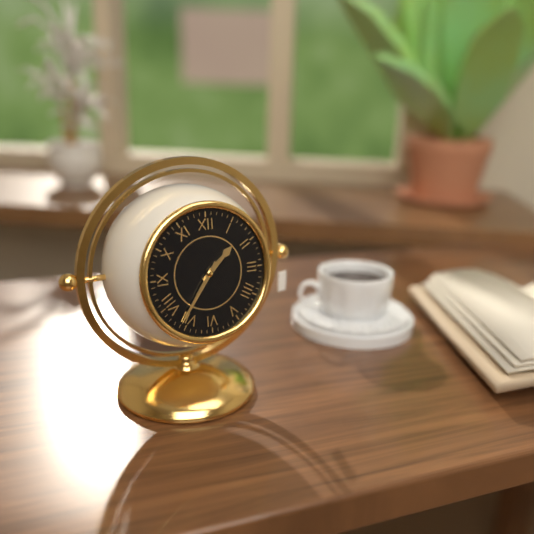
1:36
